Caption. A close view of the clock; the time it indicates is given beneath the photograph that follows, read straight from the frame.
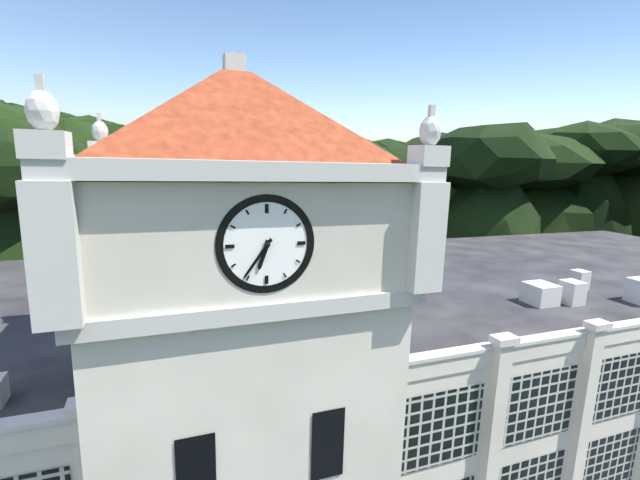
6:36
